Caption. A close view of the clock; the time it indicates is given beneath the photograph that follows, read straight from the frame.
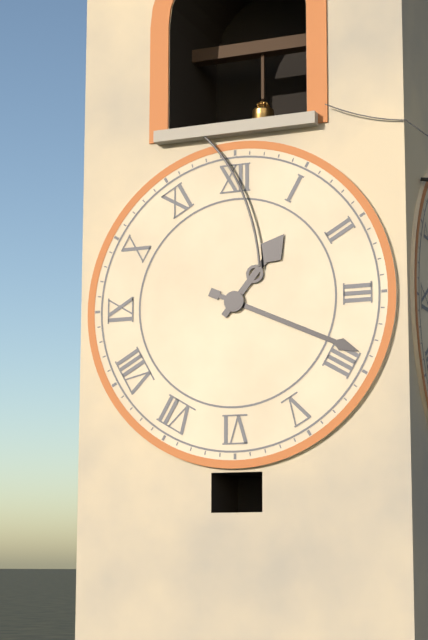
1:19
